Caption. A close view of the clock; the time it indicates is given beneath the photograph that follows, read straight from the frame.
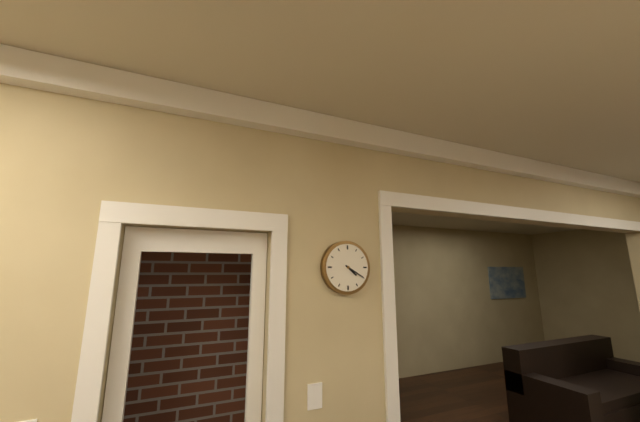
4:20
